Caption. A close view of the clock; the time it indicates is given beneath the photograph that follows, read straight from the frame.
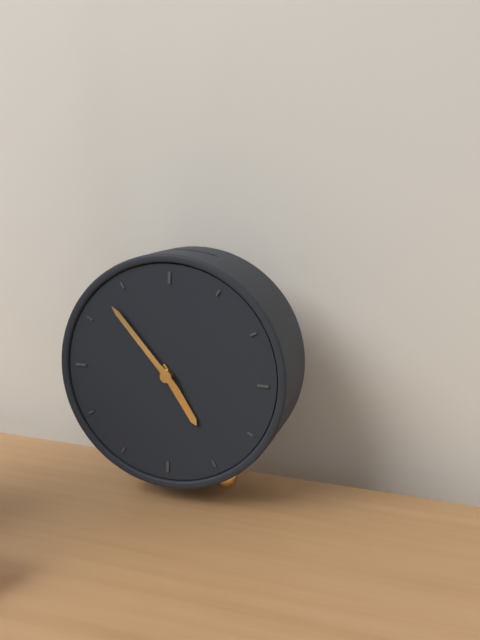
4:53
